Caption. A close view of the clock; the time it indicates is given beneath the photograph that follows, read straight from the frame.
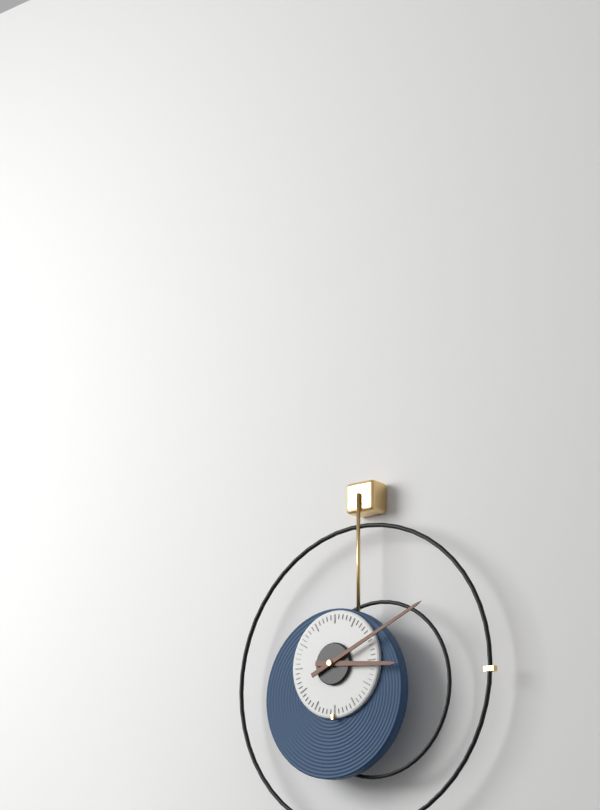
3:11
